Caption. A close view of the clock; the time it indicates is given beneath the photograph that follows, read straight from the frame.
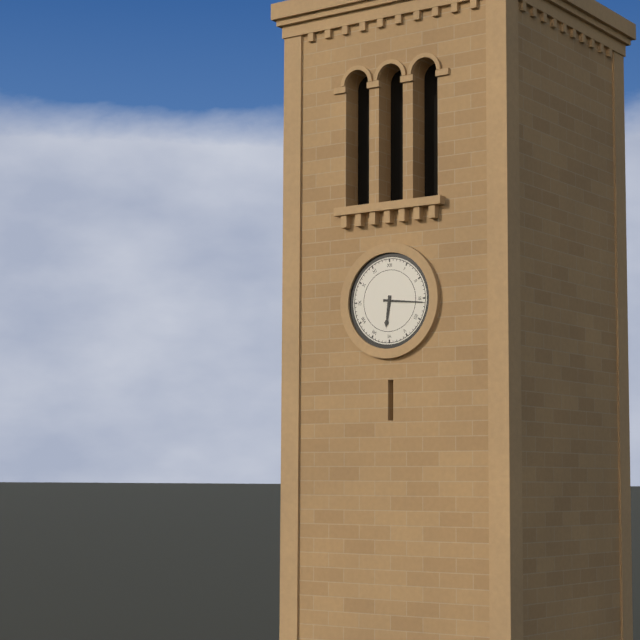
6:16
